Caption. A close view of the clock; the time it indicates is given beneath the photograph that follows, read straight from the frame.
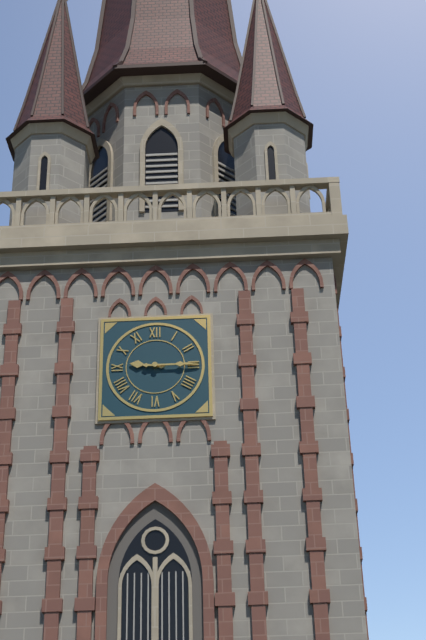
9:15
